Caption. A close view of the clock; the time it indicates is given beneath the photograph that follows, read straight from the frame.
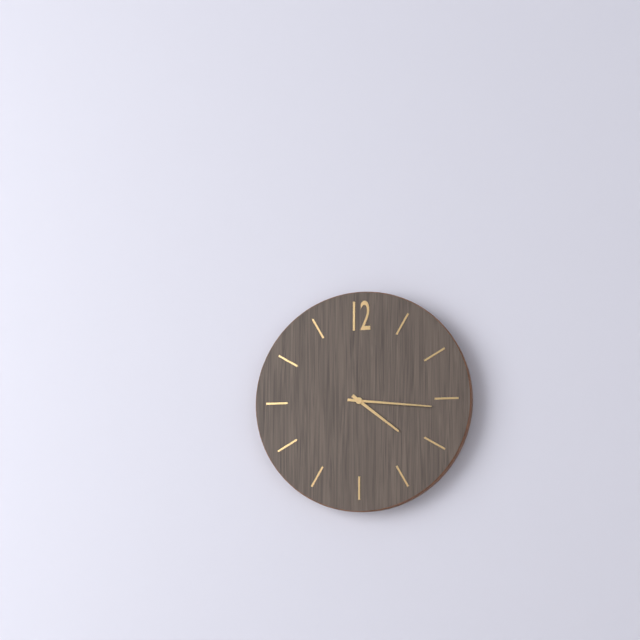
4:16
